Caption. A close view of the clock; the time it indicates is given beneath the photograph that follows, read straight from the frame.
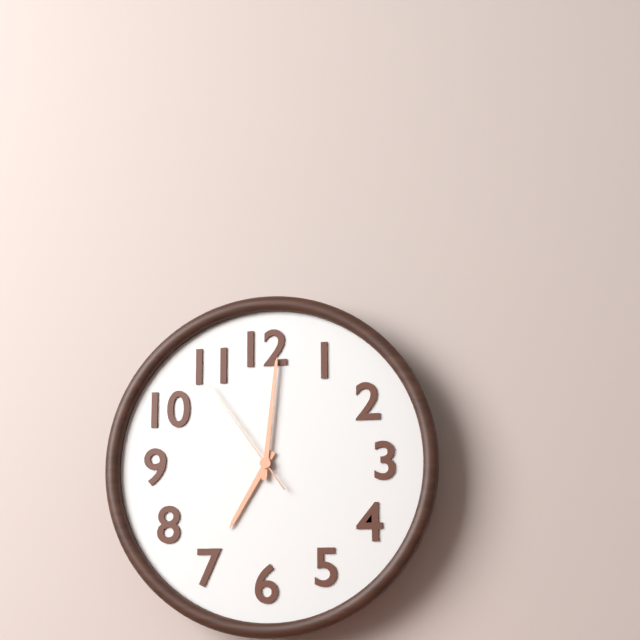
7:01:54
